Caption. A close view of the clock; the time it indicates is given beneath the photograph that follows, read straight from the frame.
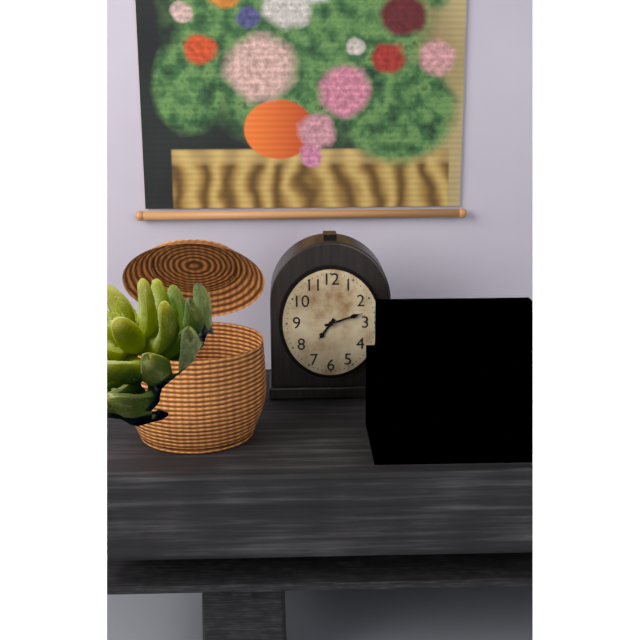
7:12
